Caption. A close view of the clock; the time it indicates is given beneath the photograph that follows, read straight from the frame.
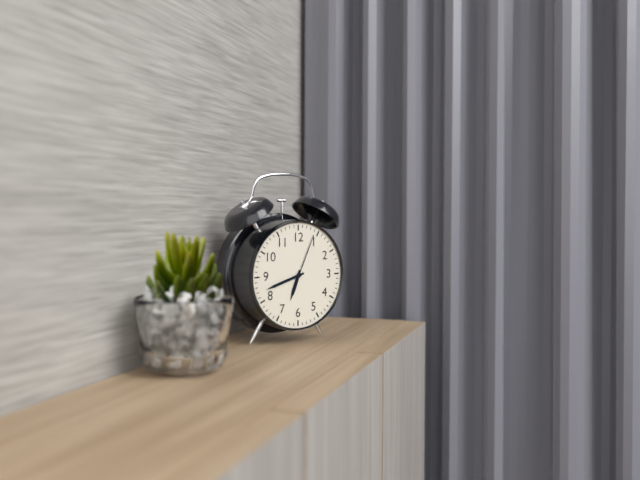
6:42:04
